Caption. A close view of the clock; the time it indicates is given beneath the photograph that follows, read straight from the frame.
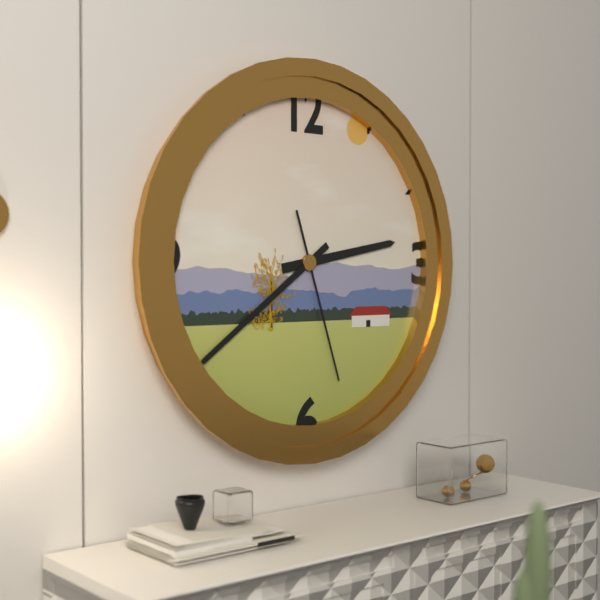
2:39:27
